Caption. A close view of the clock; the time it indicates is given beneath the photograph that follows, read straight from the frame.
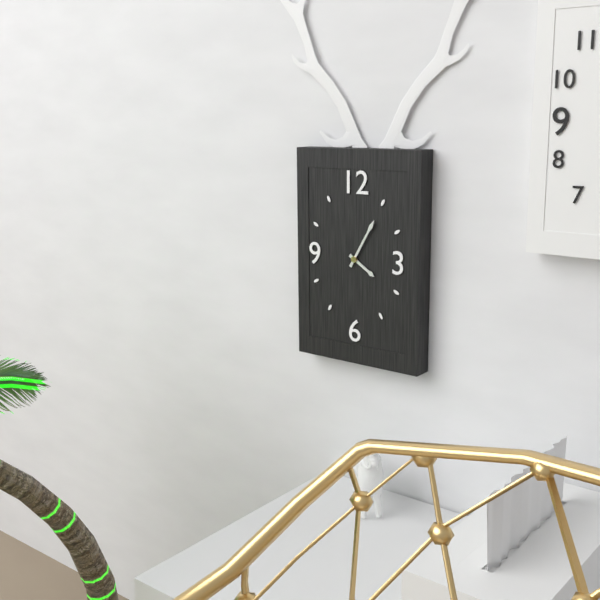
4:05
